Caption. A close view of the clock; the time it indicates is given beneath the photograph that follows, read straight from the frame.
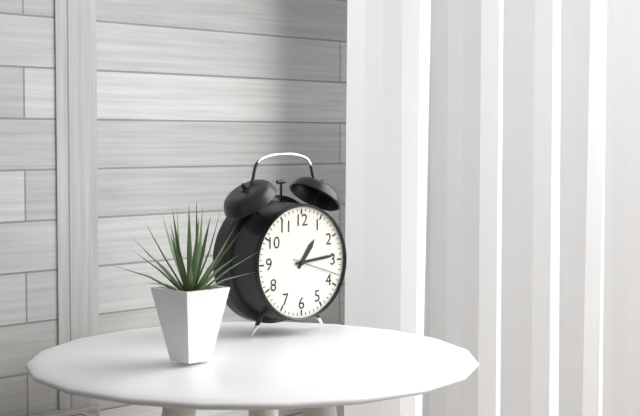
1:14
